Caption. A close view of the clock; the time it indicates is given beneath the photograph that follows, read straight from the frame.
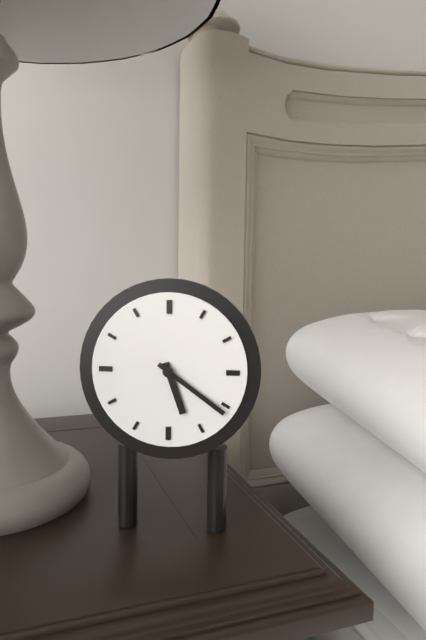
5:21
